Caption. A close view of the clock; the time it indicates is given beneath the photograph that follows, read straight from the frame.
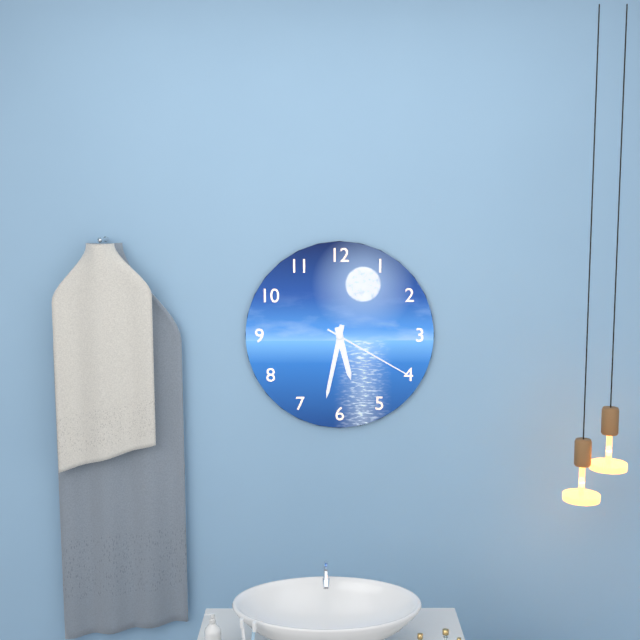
5:32:20
